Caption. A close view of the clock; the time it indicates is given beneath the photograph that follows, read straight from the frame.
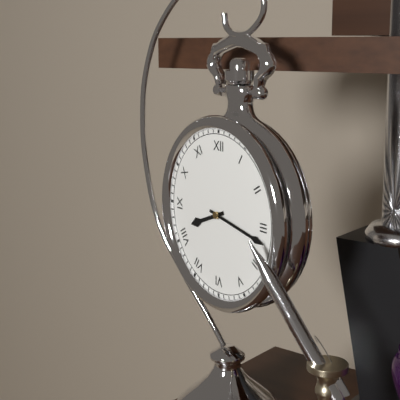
8:17
